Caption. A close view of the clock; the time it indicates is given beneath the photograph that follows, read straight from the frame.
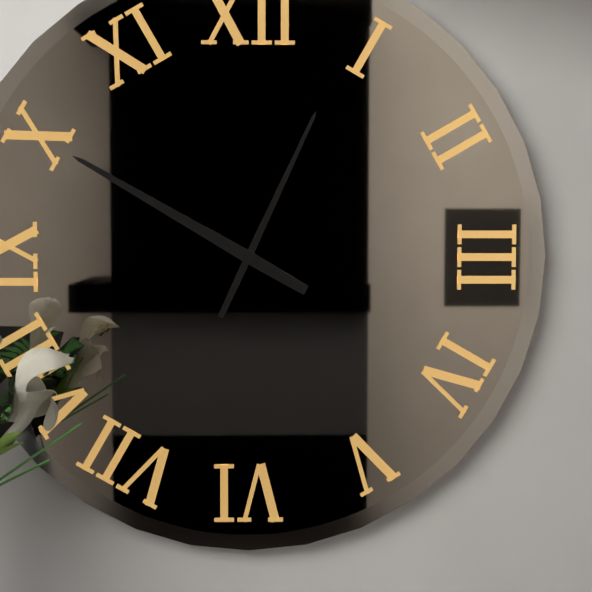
12:50
